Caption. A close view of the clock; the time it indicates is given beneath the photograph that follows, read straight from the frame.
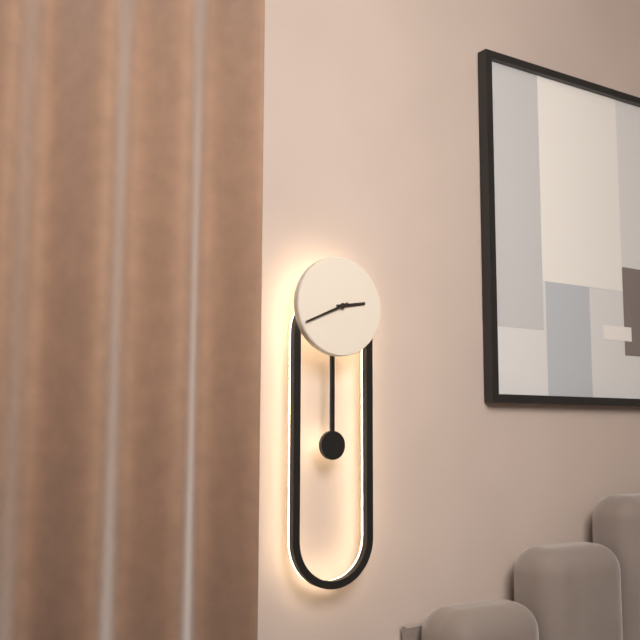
2:41
